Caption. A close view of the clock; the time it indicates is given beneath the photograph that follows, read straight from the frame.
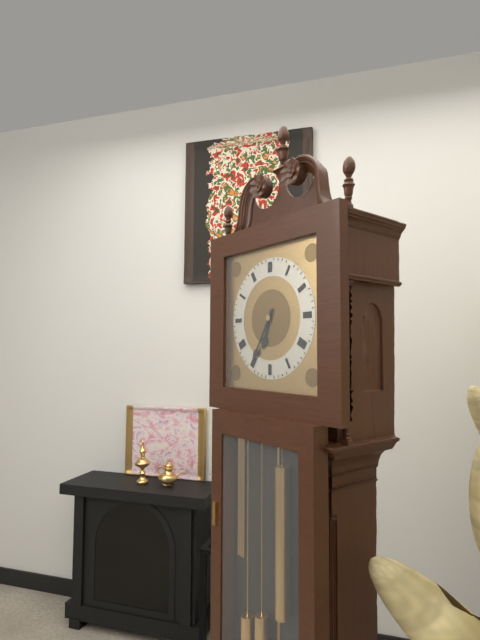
6:35
